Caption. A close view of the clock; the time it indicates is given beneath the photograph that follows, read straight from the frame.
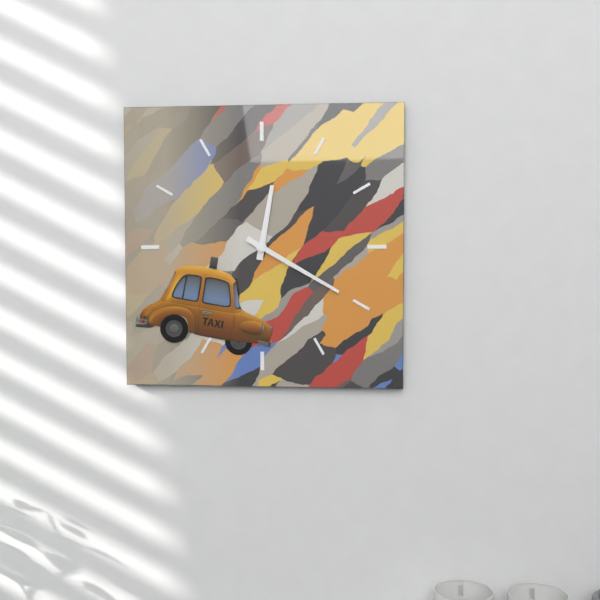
12:20
